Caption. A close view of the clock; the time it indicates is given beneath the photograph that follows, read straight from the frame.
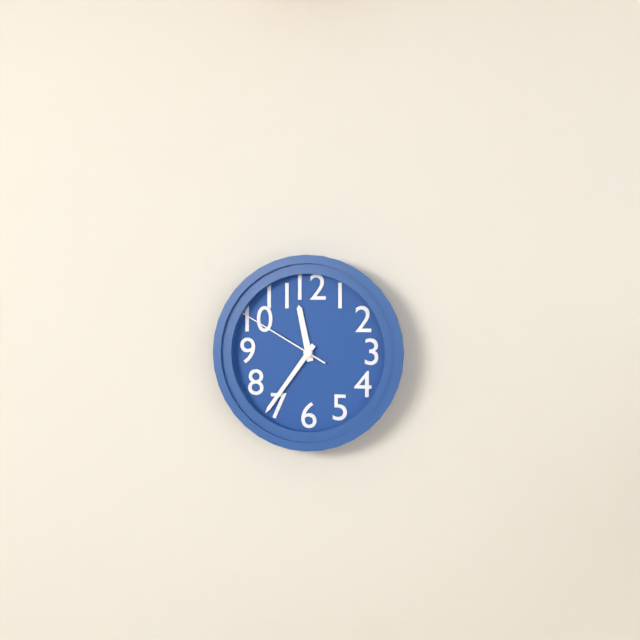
11:36:50
